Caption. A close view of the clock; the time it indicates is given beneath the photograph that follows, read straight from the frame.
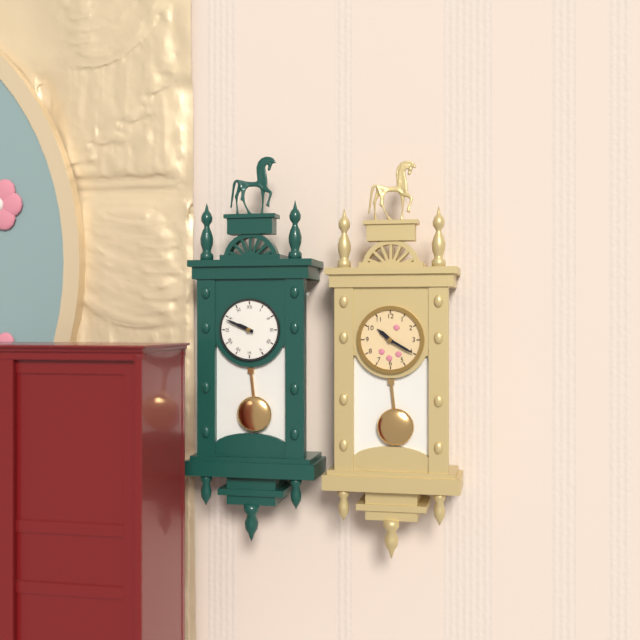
9:49
